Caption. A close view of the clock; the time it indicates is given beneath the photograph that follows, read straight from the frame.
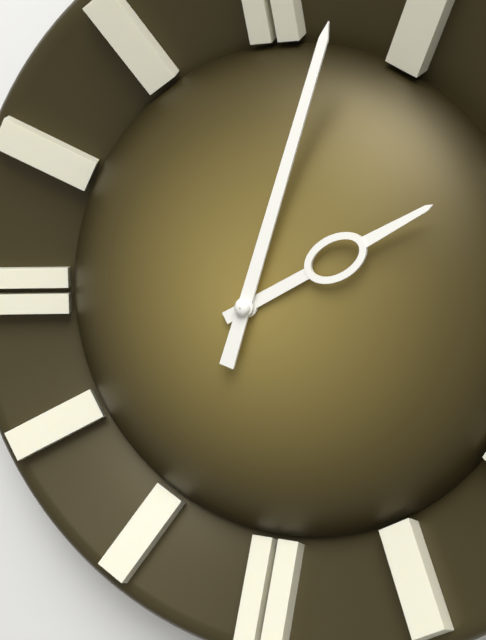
2:03
